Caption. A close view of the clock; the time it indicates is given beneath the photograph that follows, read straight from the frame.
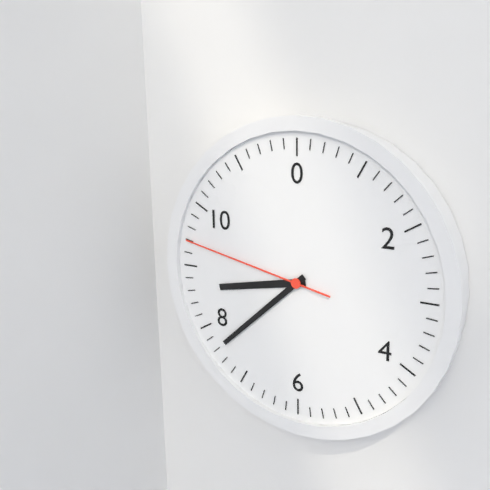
8:38:47
